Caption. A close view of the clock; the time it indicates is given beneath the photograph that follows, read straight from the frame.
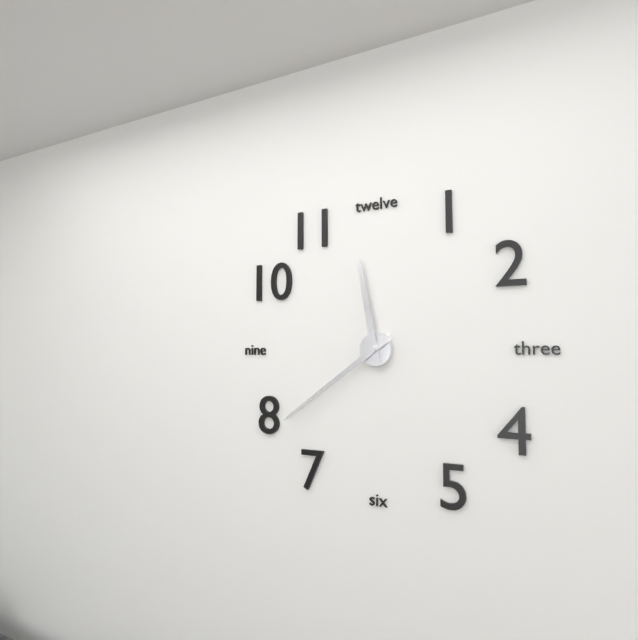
11:39
